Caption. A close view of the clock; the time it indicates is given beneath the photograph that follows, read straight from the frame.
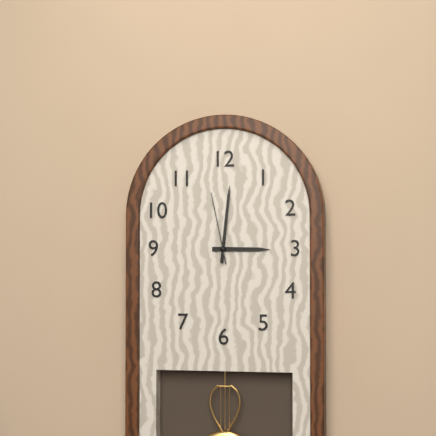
3:01:58
